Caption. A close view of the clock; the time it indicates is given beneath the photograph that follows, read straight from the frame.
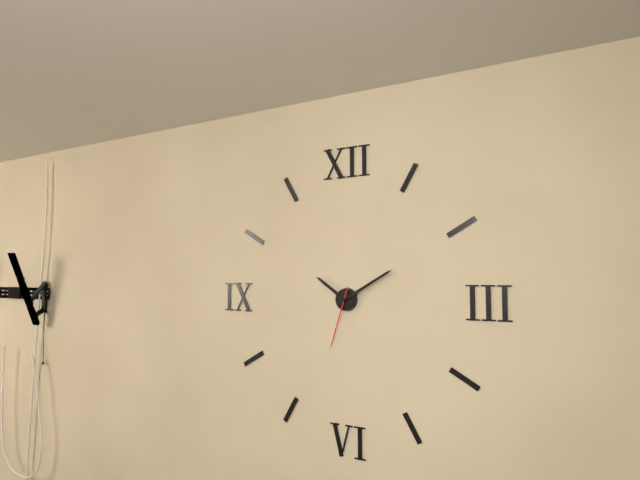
10:10:33
